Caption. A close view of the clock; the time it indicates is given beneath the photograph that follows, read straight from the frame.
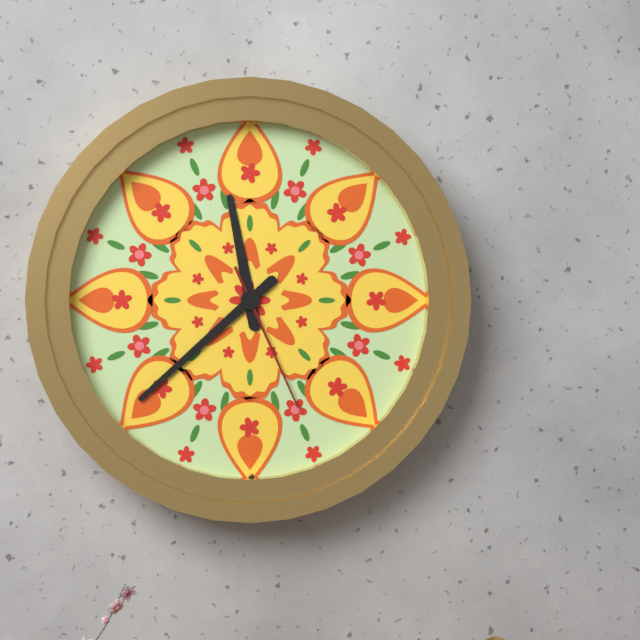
11:38:26
